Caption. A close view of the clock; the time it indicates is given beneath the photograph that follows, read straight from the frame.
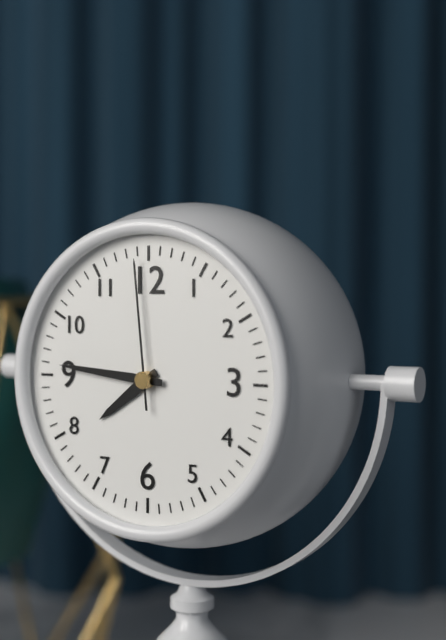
7:46:59
